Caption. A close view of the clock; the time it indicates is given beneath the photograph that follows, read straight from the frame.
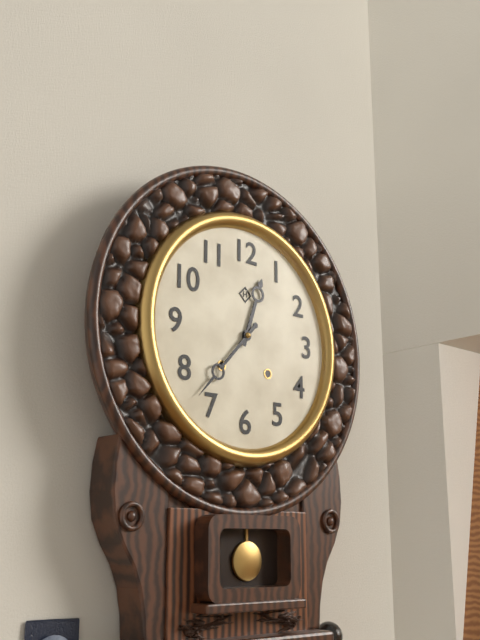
12:37
